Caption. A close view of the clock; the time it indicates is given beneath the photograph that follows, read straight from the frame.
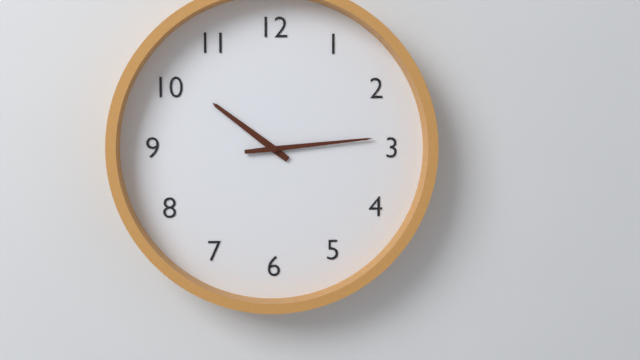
10:14
